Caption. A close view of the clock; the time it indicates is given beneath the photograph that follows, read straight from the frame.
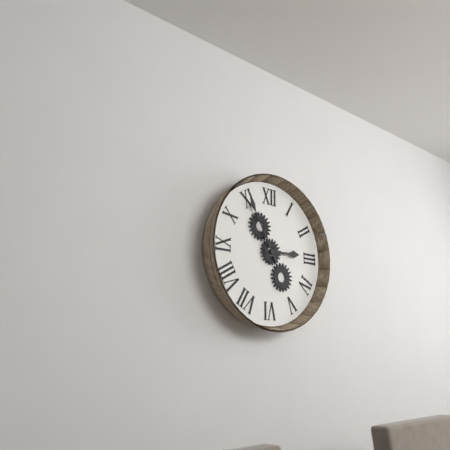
2:55
